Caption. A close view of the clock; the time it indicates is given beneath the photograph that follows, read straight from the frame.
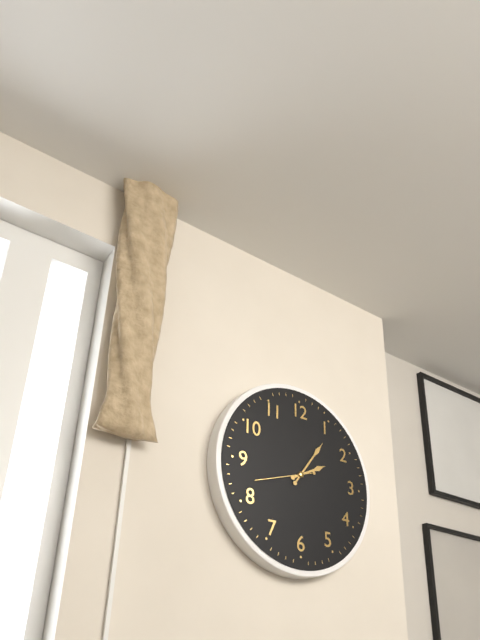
2:06:42
